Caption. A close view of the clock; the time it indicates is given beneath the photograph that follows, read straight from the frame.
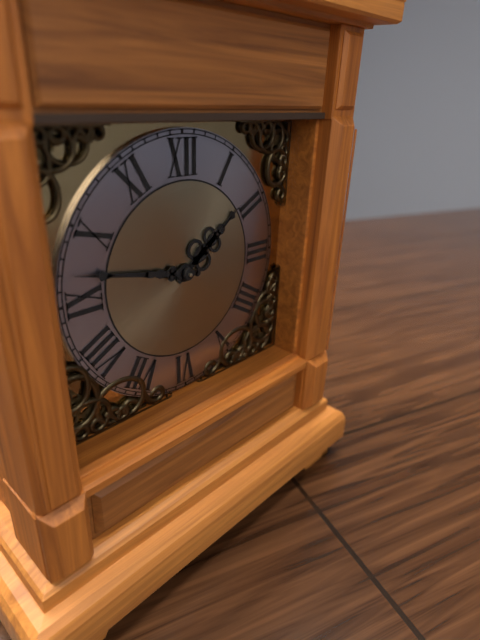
1:47
